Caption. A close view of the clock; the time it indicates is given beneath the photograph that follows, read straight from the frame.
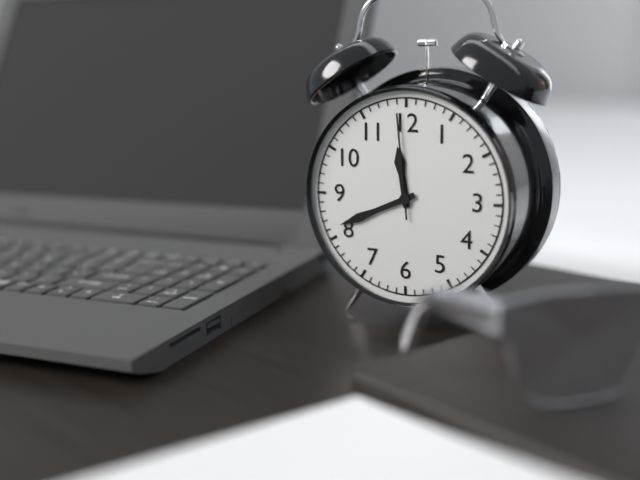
11:41:59
